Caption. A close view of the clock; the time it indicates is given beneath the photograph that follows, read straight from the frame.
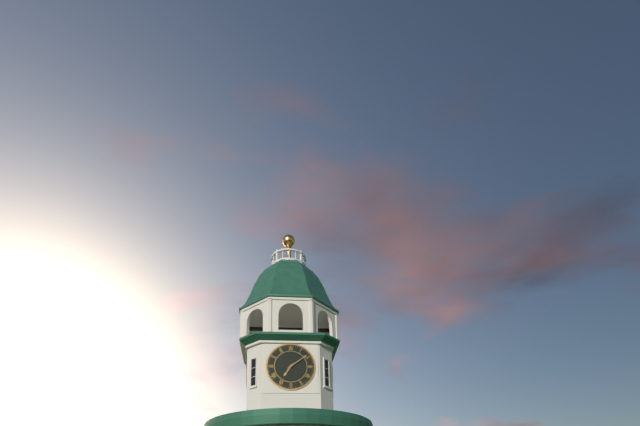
7:09
